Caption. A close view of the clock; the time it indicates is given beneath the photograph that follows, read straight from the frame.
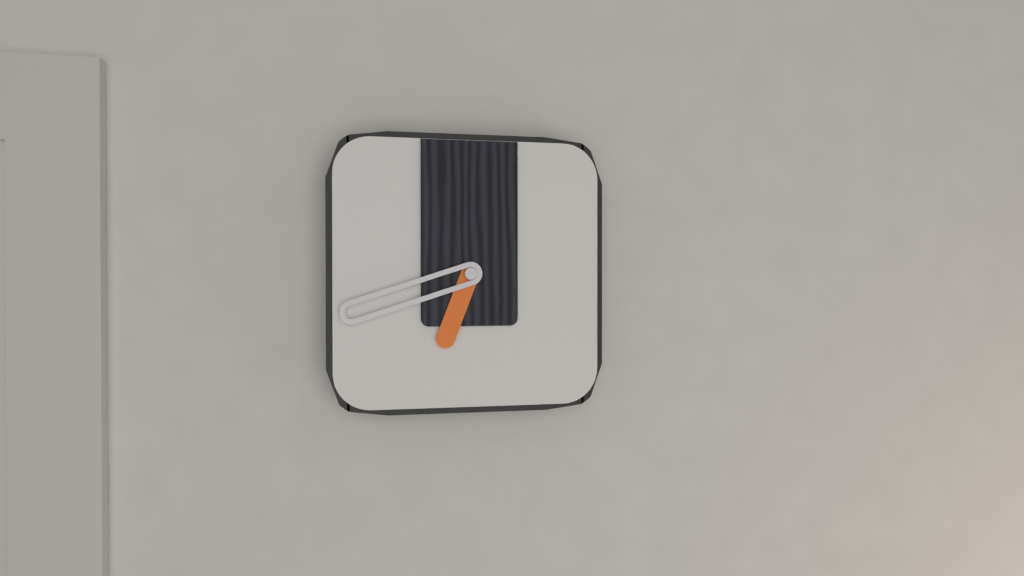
6:42
